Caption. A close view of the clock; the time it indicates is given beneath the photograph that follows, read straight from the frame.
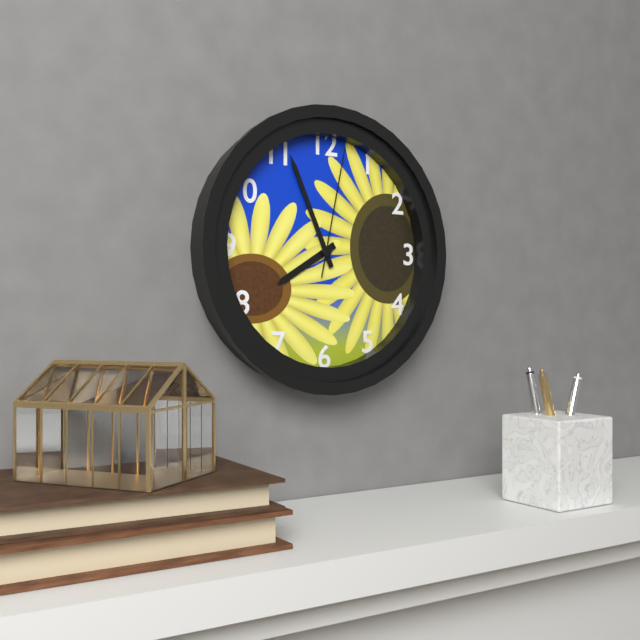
7:56:02
